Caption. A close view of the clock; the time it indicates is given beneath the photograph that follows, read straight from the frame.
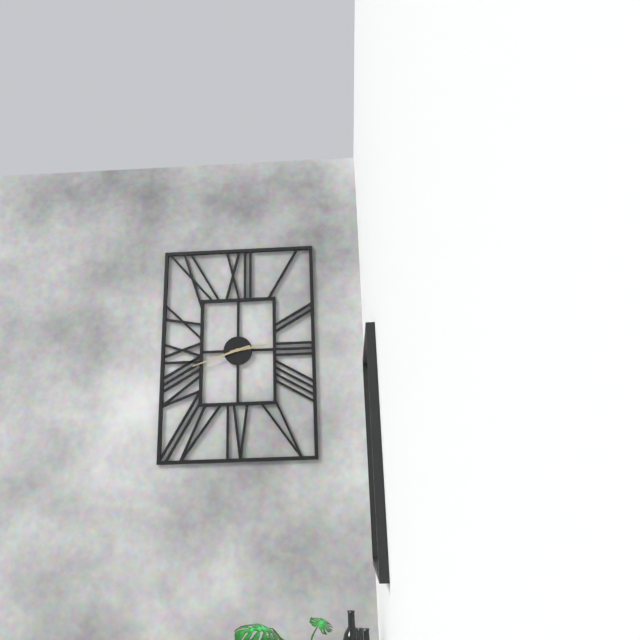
2:42
